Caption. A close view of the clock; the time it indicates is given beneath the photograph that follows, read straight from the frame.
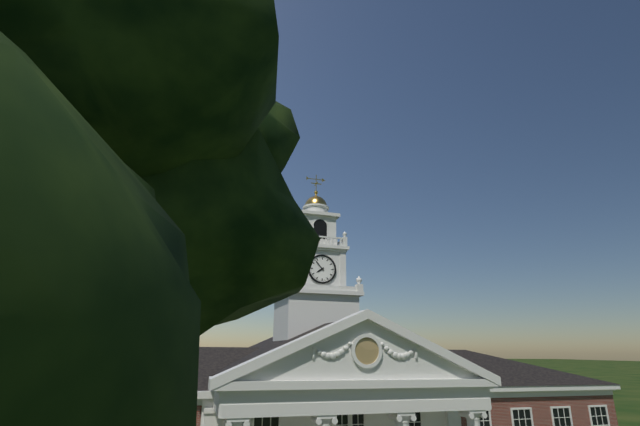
7:53
